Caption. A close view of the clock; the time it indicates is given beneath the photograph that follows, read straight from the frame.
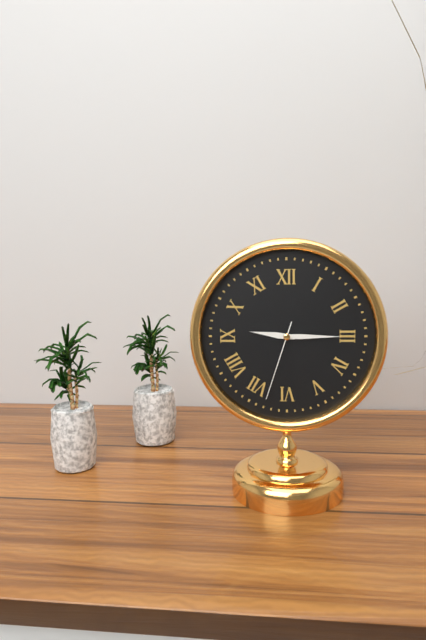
9:15:33
